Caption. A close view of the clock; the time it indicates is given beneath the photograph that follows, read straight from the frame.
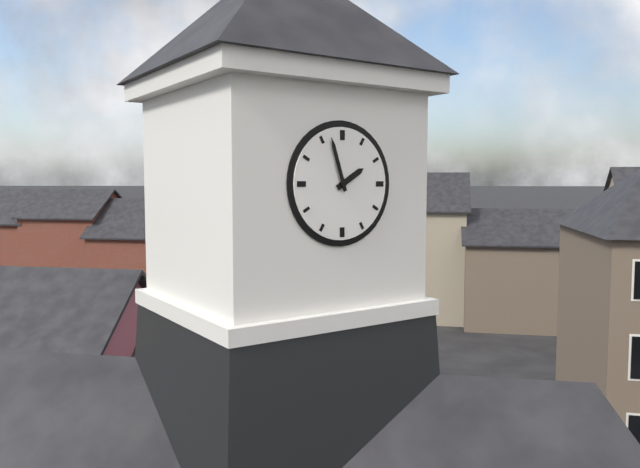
1:57
